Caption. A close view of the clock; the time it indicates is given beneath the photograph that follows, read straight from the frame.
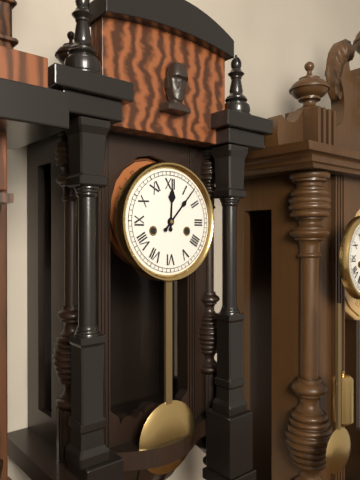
12:07
